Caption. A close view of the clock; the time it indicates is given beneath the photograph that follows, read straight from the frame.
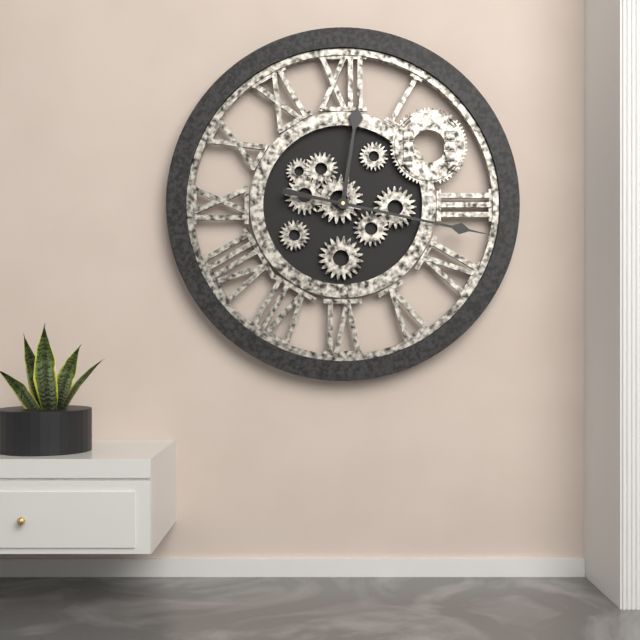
12:17
